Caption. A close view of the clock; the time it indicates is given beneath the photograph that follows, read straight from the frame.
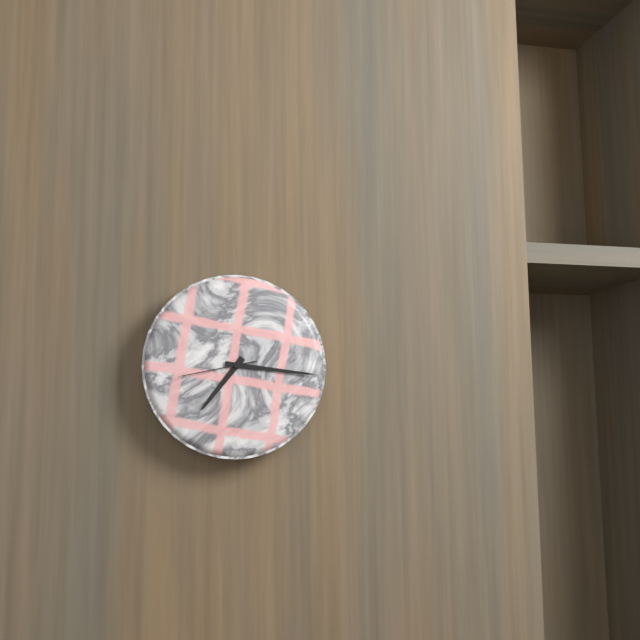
7:16:43
